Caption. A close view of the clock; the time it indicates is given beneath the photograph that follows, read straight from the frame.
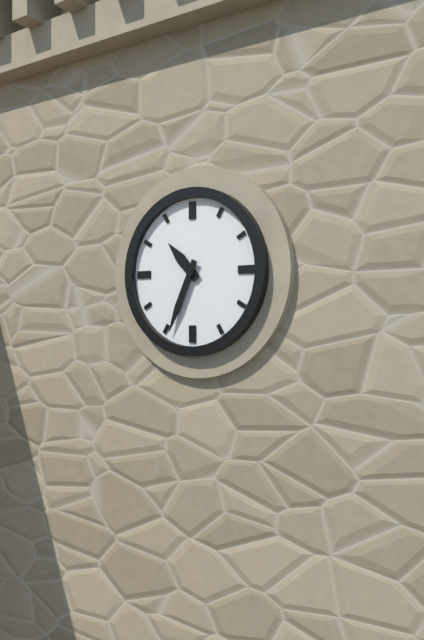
10:34
